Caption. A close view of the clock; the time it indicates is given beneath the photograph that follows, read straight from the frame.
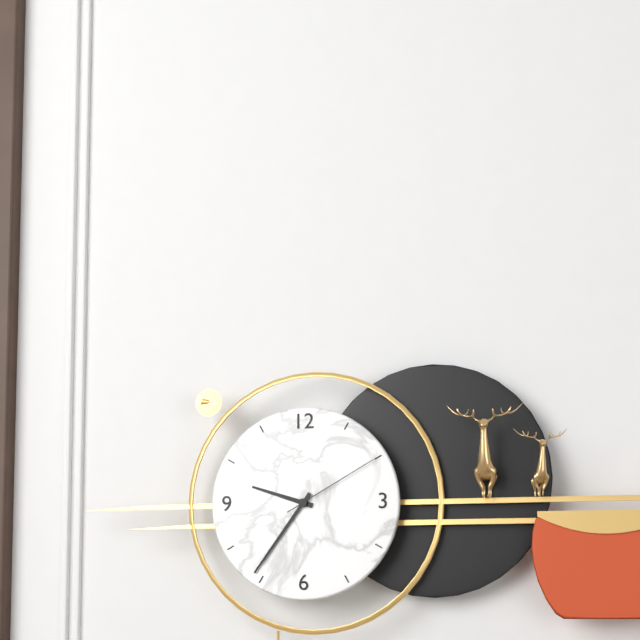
9:36:10
